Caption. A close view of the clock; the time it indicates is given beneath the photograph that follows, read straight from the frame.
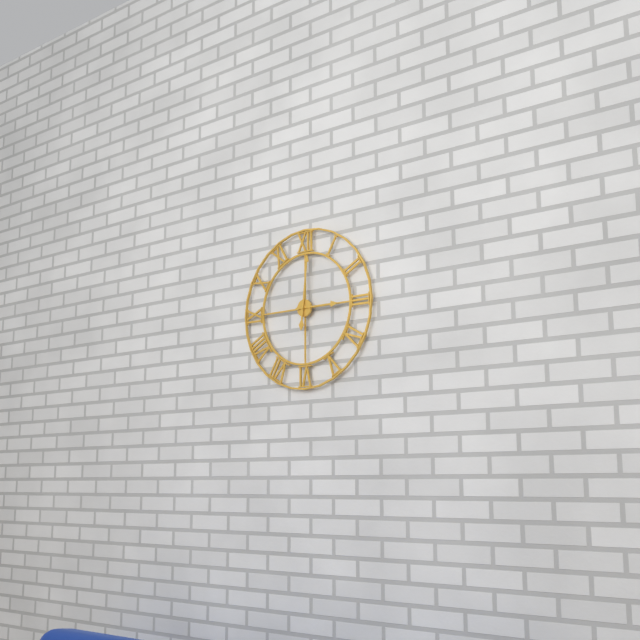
3:01
